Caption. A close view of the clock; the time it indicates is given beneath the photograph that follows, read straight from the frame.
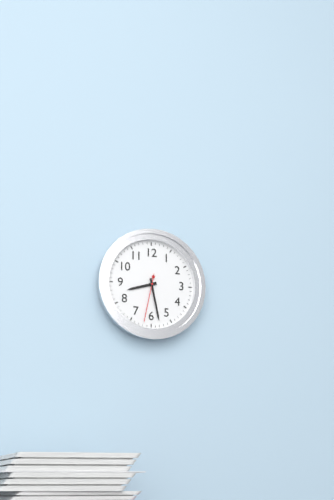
8:28
